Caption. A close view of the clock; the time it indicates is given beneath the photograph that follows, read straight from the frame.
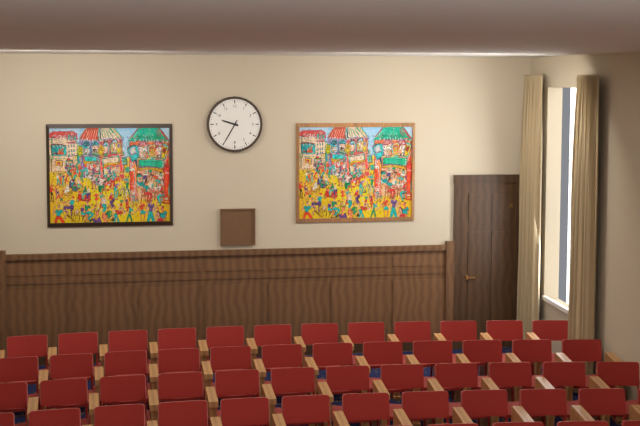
9:35
